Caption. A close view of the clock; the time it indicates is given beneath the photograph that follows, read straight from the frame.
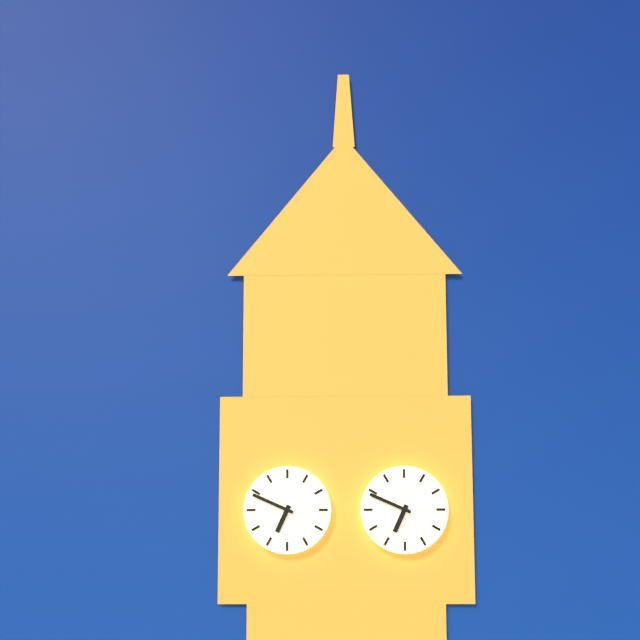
6:49
